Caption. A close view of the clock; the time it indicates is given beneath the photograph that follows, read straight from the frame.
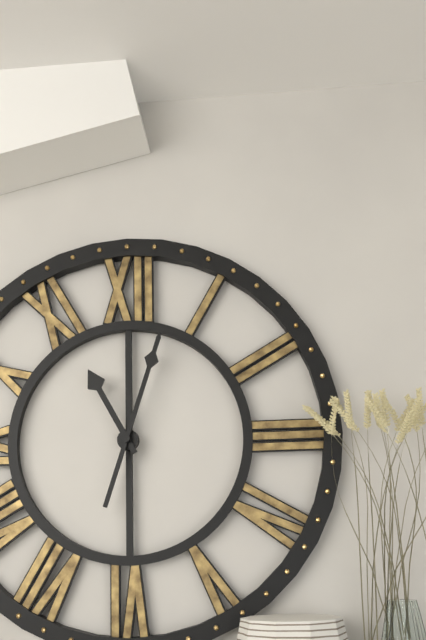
11:03
